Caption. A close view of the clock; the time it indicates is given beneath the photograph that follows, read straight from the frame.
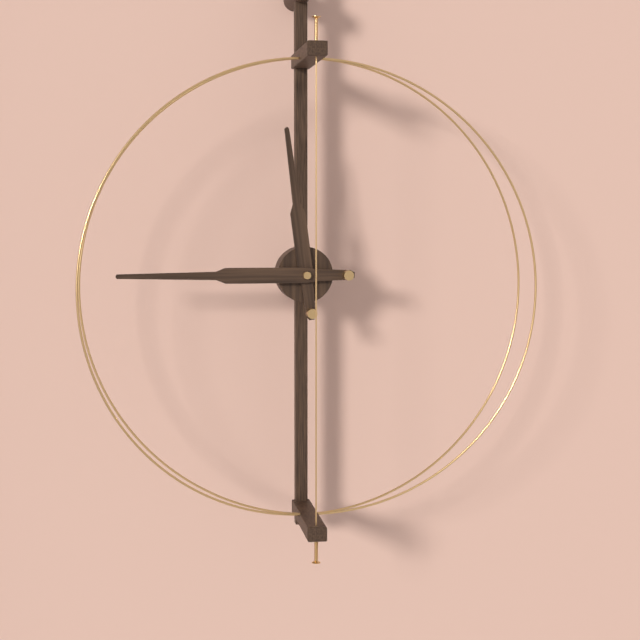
11:45
